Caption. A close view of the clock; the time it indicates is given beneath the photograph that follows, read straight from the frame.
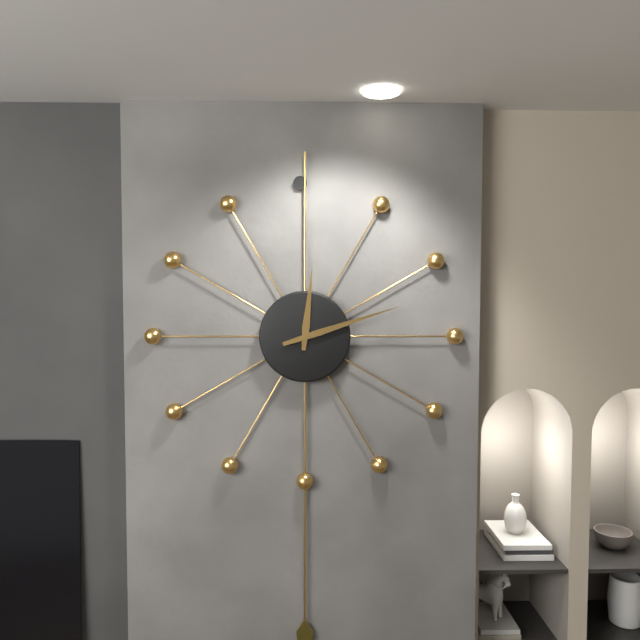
12:12
